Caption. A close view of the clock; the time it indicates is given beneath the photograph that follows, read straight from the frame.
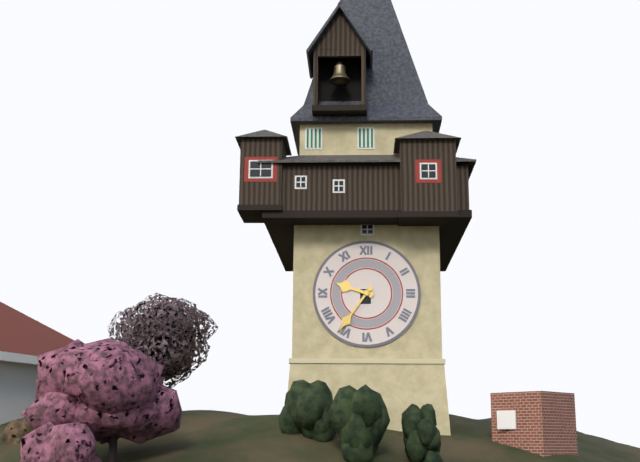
9:36
